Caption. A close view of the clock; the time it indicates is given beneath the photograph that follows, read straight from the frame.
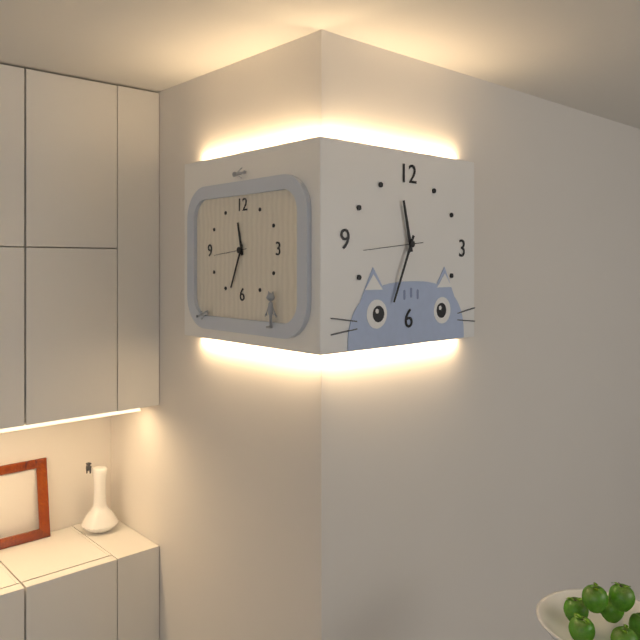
11:34:44
